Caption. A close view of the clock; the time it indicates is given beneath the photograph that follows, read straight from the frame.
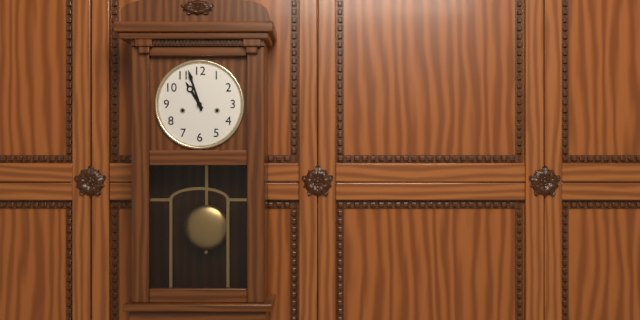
10:57
